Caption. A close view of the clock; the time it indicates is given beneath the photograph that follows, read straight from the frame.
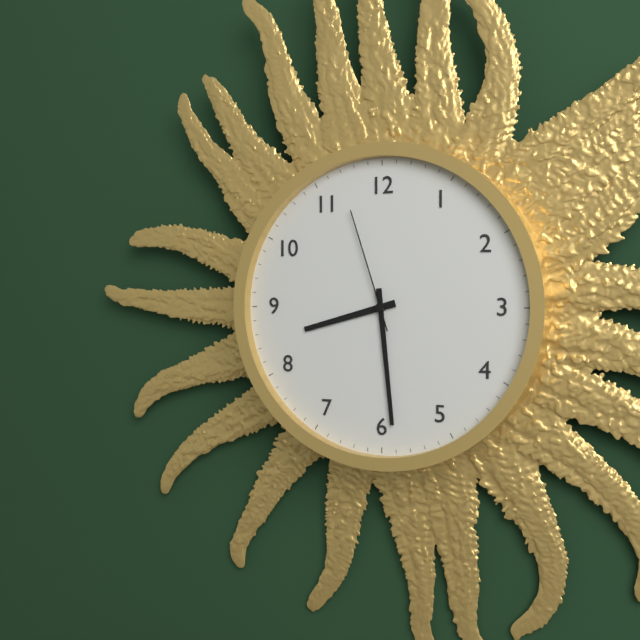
8:29:57
